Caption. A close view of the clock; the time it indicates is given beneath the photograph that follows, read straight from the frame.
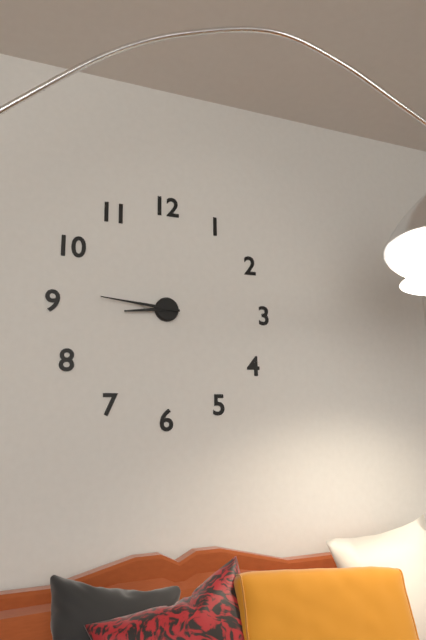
8:46
